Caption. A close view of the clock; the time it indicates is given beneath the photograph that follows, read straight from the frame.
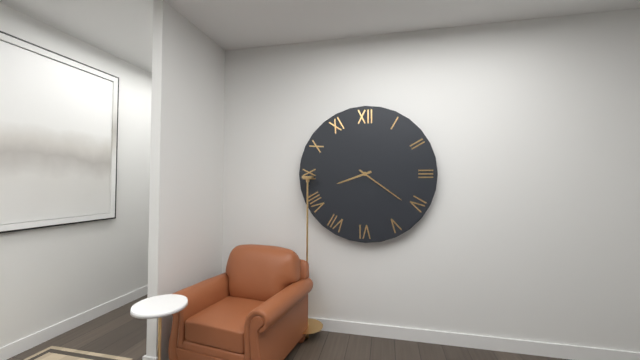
8:21
